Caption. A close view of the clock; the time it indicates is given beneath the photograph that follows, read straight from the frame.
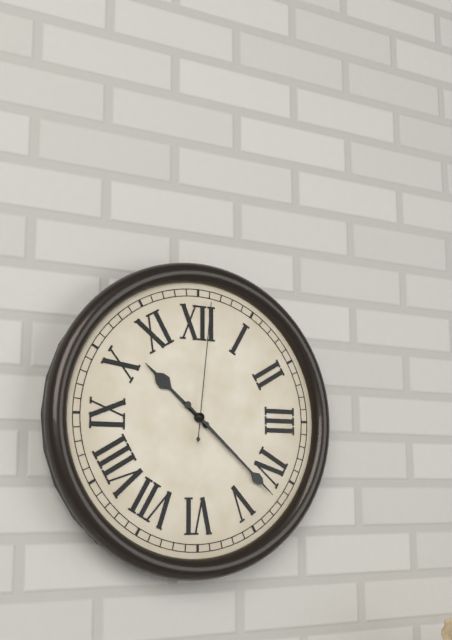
10:22:01
